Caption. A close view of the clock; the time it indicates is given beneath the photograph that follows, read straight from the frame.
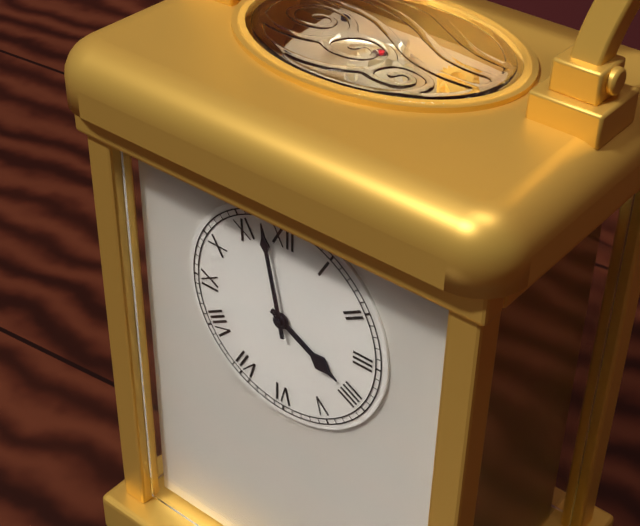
3:58
